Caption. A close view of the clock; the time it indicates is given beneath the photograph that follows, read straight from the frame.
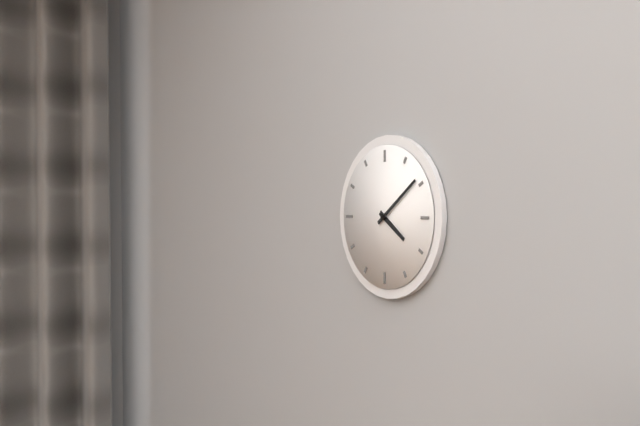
4:09
